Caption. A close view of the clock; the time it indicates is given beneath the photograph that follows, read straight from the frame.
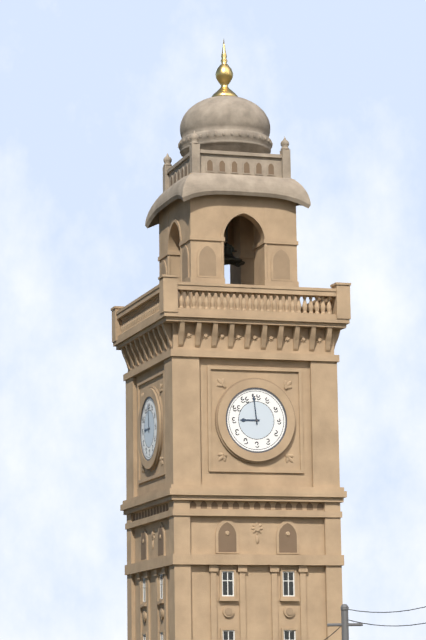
8:59
